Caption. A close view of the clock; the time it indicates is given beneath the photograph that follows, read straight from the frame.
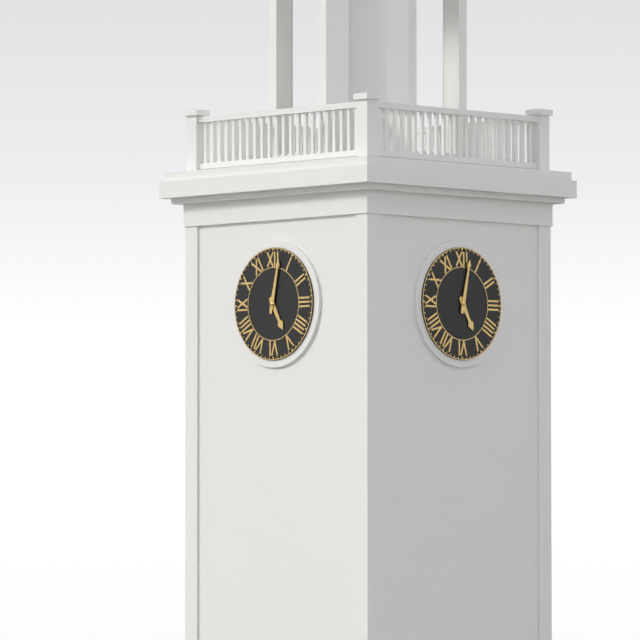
5:02
